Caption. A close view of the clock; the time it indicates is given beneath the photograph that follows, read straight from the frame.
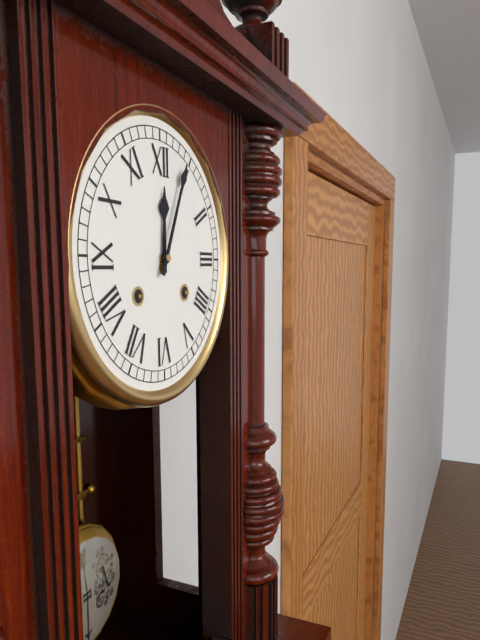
12:04
